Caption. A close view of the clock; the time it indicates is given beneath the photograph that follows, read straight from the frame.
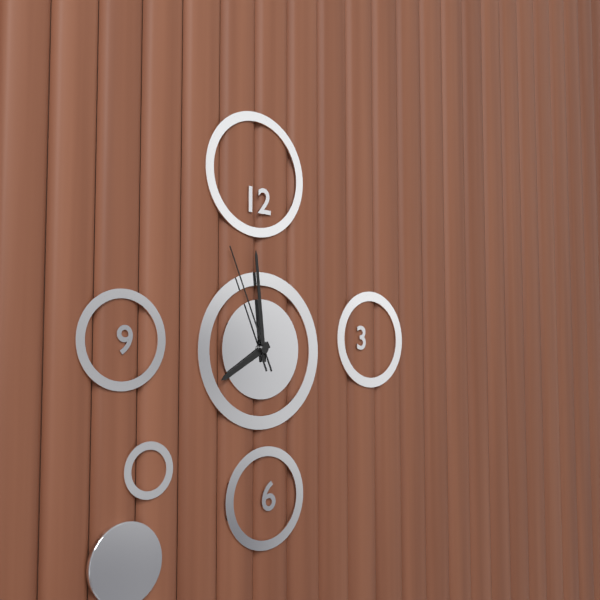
7:59:56
